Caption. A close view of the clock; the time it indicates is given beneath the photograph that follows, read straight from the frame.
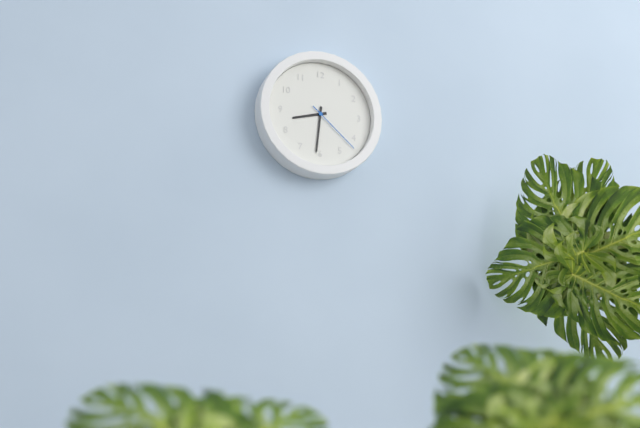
8:31:22
